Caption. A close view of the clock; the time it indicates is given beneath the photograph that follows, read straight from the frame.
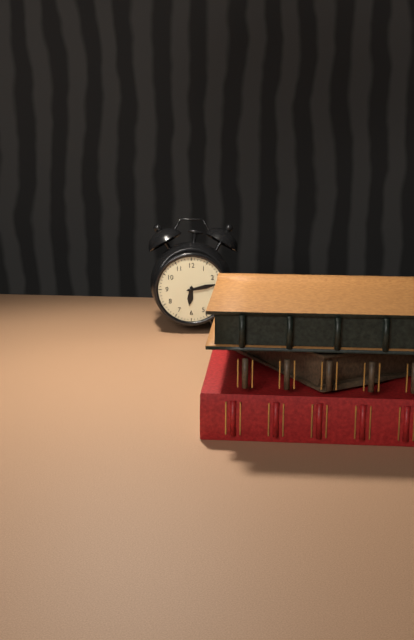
6:13
